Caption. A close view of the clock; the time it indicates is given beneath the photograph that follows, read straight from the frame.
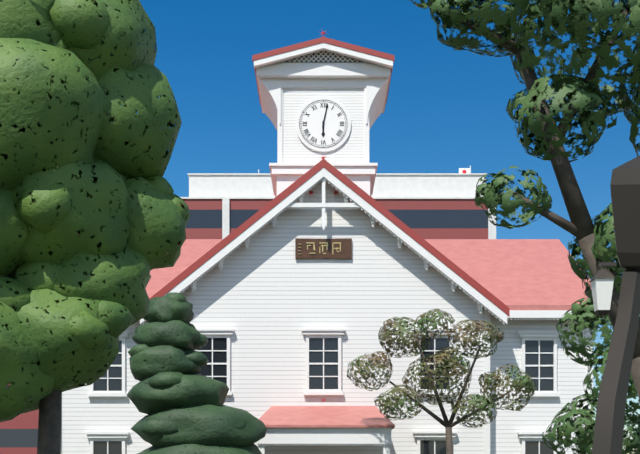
6:02
